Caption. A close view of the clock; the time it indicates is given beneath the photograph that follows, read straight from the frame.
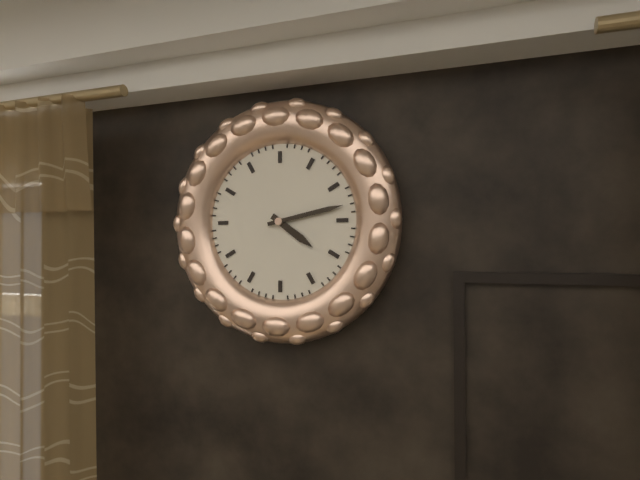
4:13
